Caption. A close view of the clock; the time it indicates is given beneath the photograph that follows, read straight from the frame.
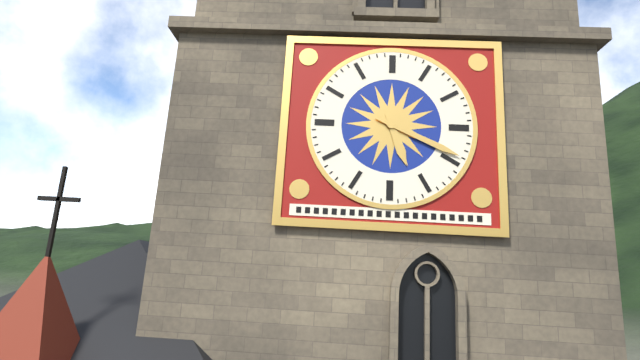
5:19
